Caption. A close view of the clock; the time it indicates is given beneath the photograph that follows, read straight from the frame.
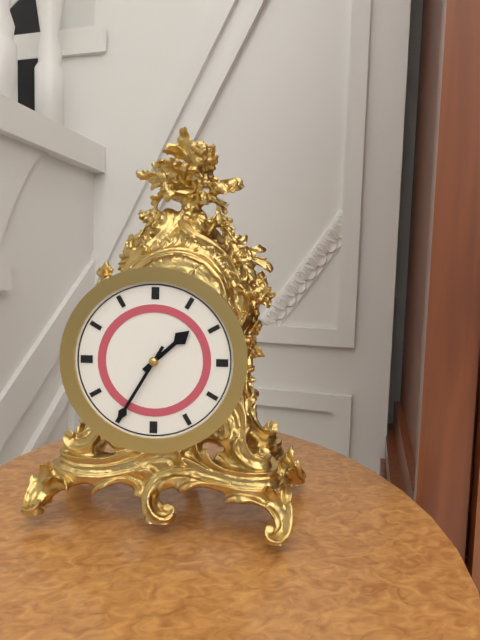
1:35
